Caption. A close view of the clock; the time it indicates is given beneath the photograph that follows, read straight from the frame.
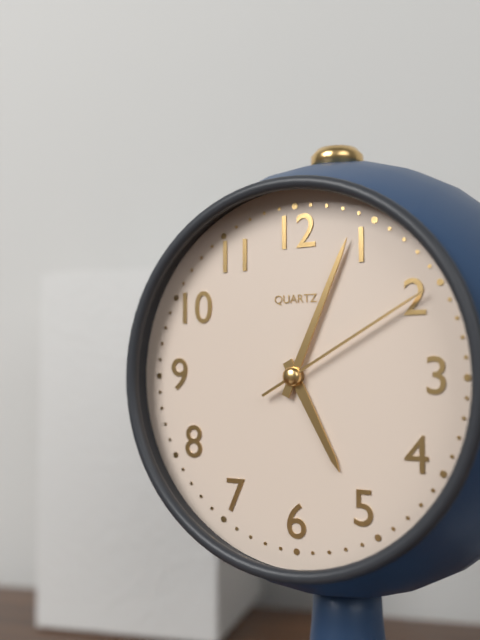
5:04:10
